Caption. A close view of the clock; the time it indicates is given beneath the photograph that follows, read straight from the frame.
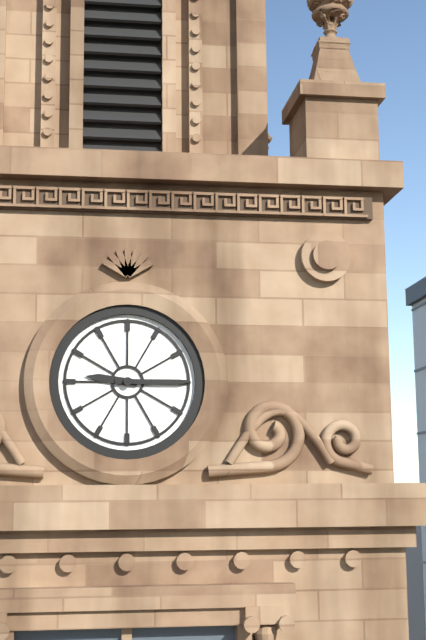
9:15
